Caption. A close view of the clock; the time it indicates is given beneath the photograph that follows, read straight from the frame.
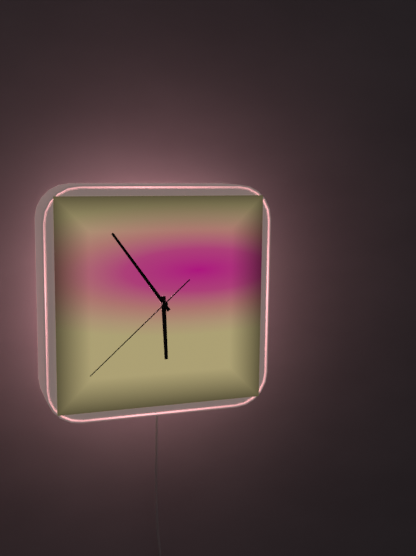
5:54:38
